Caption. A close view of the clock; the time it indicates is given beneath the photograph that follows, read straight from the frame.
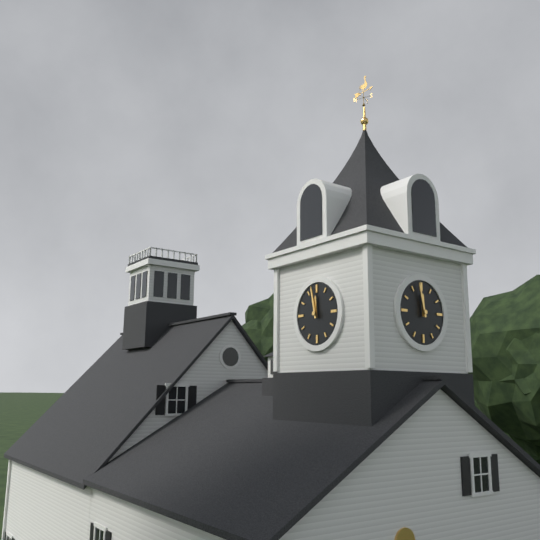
11:58
